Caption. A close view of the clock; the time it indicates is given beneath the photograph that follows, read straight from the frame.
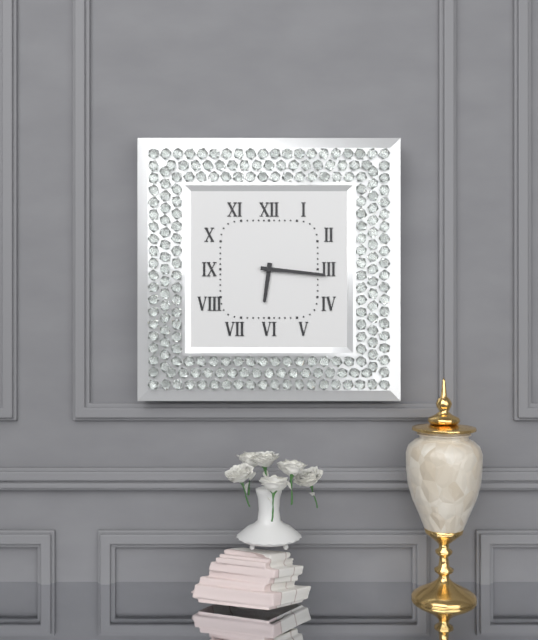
6:16
